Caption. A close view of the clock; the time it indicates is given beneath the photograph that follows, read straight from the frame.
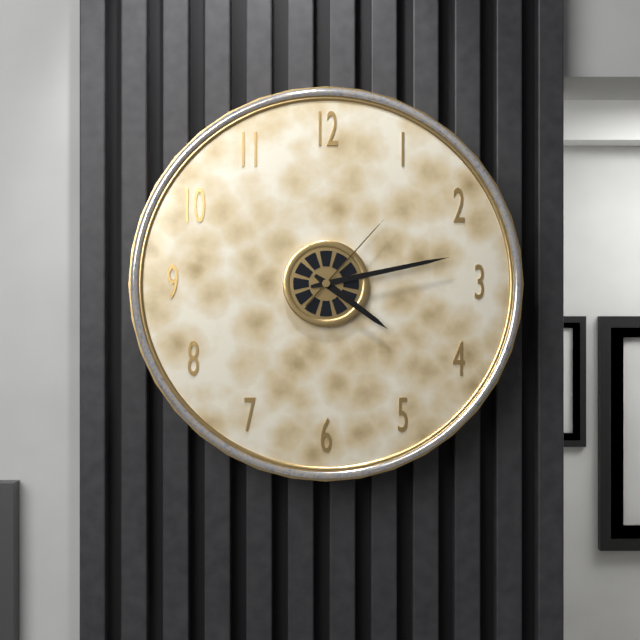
4:13:07
